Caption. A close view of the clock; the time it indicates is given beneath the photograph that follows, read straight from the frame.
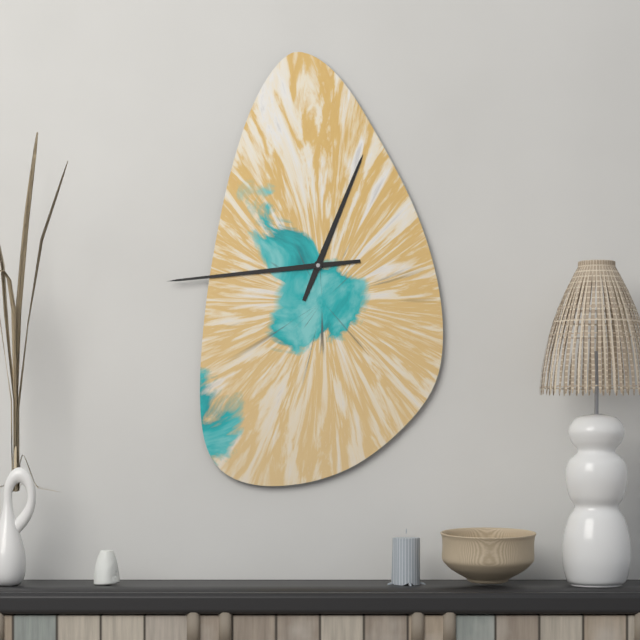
12:44
